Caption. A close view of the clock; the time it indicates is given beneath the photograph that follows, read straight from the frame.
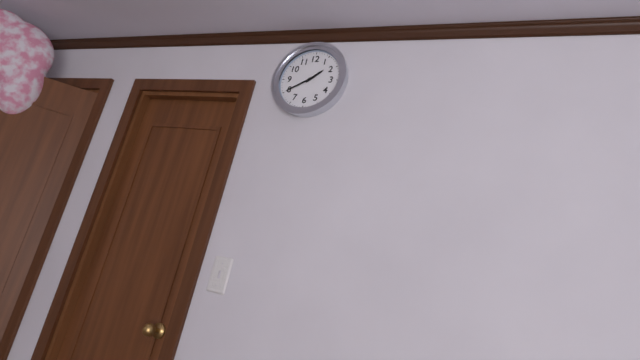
1:40
